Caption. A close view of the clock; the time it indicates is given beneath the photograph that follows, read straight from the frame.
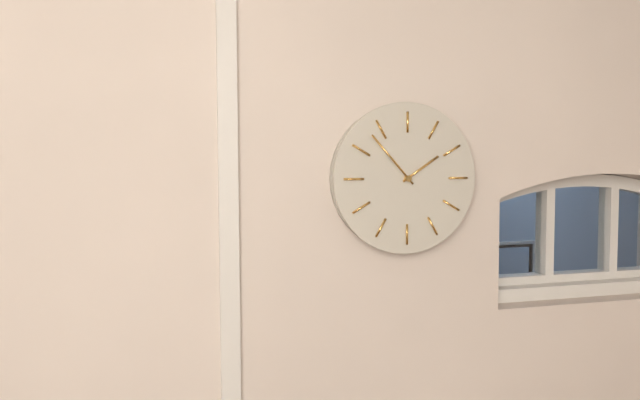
1:53
